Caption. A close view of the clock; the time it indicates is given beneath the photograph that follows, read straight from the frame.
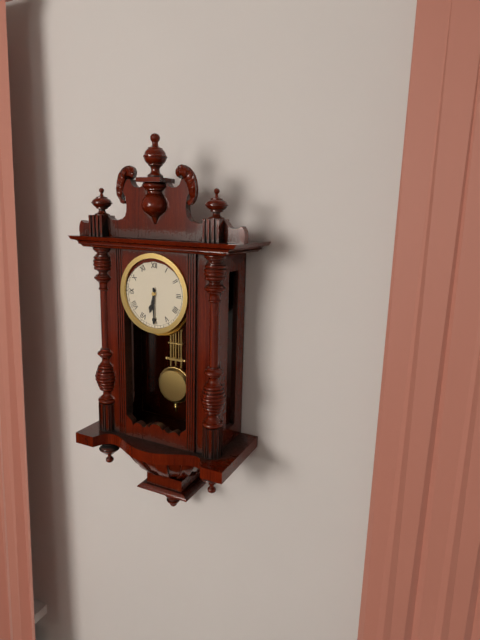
6:30
